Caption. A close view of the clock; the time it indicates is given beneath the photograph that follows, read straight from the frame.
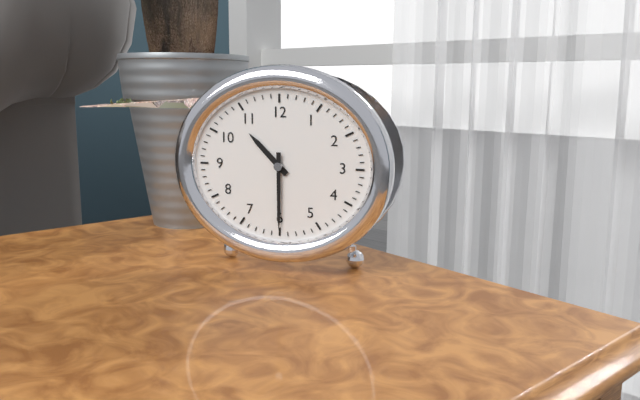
10:30
